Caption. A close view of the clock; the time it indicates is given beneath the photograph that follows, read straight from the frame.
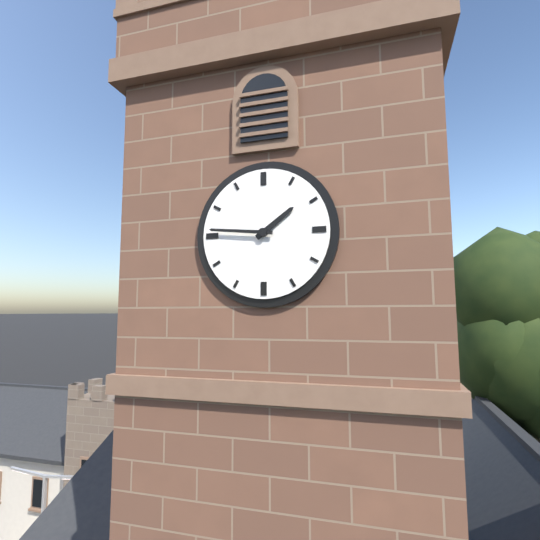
1:46
